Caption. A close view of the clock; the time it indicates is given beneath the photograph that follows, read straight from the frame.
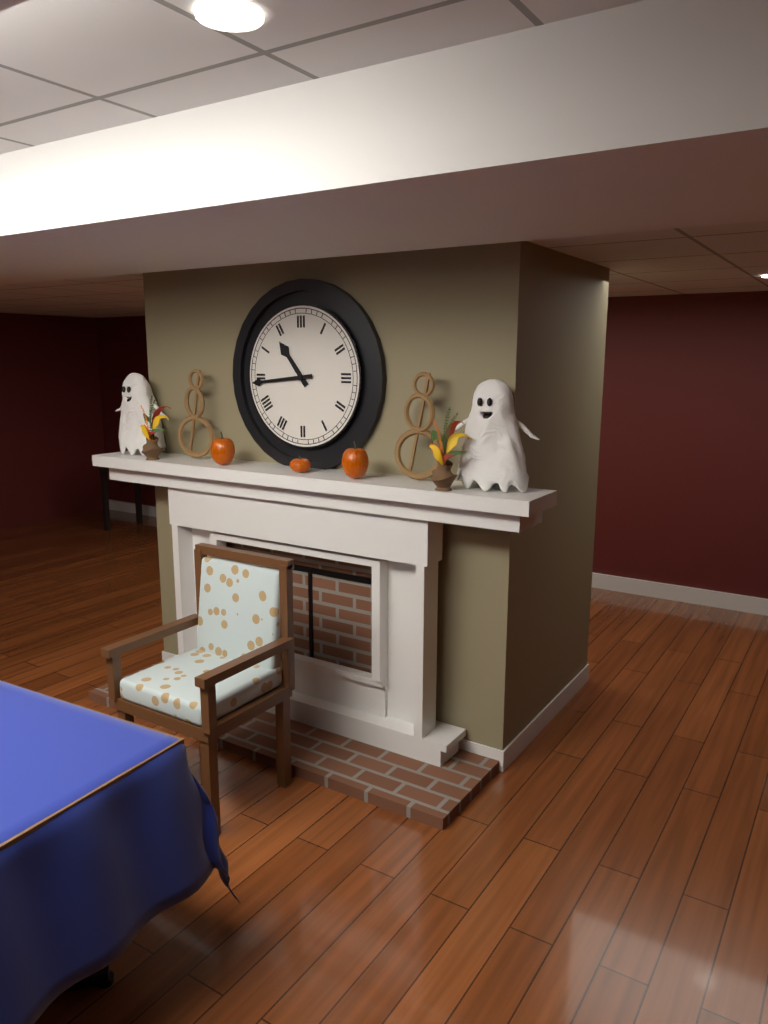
10:44
